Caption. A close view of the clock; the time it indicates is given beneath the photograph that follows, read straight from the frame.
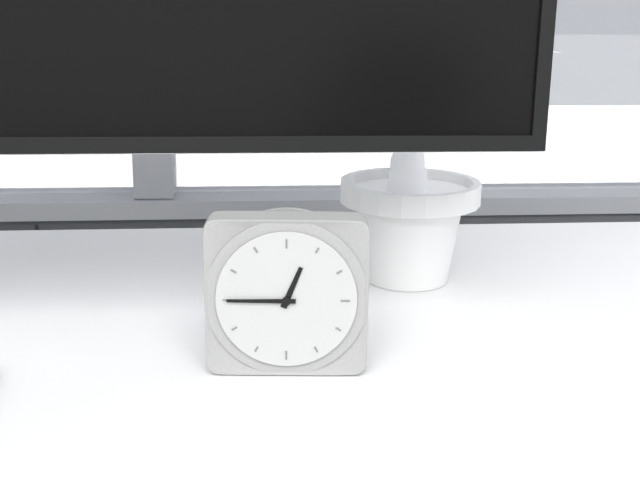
12:45
